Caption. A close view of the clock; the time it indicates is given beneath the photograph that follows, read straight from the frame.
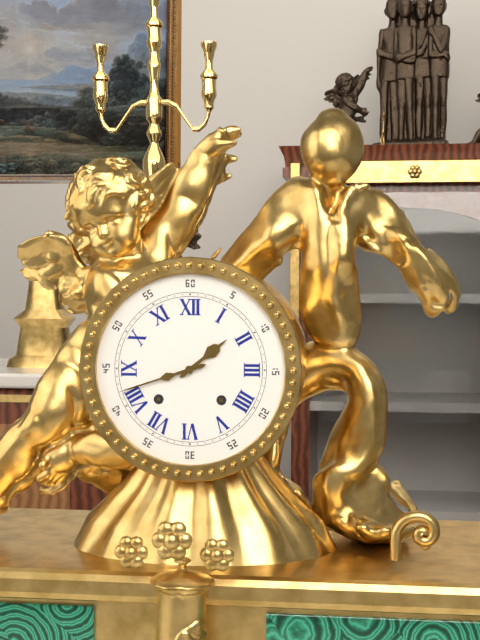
1:42
